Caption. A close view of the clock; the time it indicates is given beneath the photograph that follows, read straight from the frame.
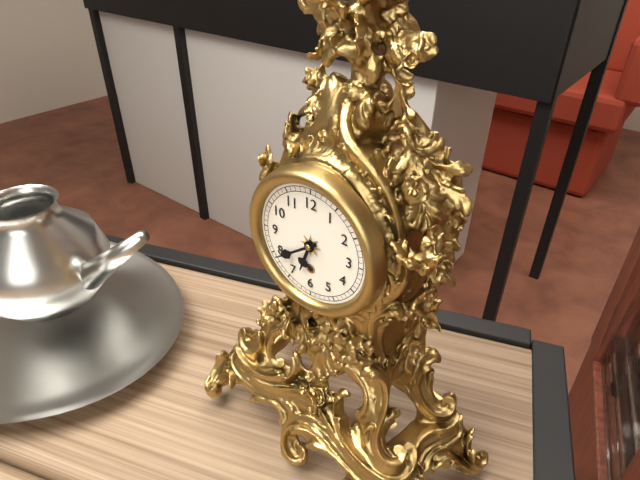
6:39
